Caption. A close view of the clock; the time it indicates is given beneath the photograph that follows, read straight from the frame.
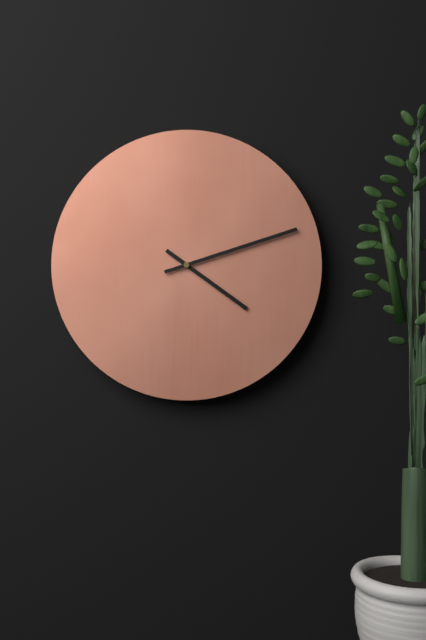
4:12
